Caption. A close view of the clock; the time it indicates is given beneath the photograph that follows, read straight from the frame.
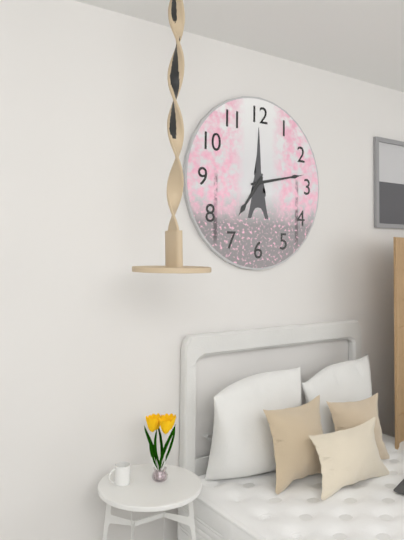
7:13
